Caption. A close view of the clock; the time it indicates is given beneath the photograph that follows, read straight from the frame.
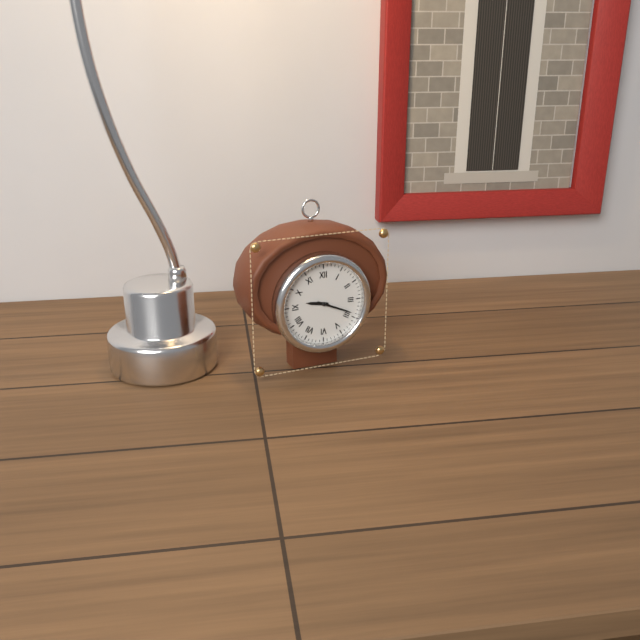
9:19
